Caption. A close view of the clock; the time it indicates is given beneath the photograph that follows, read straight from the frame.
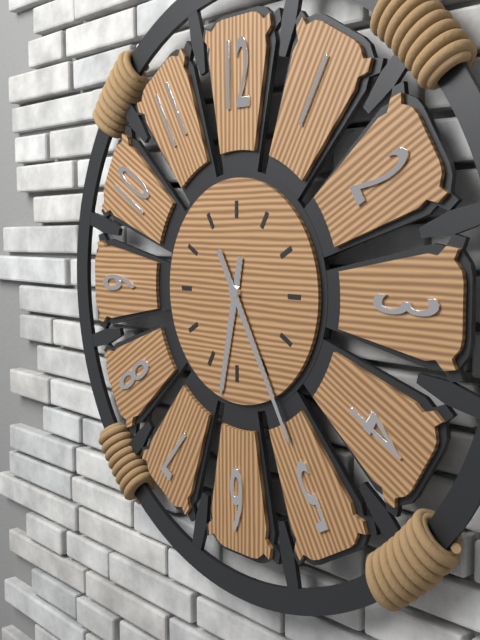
6:25
